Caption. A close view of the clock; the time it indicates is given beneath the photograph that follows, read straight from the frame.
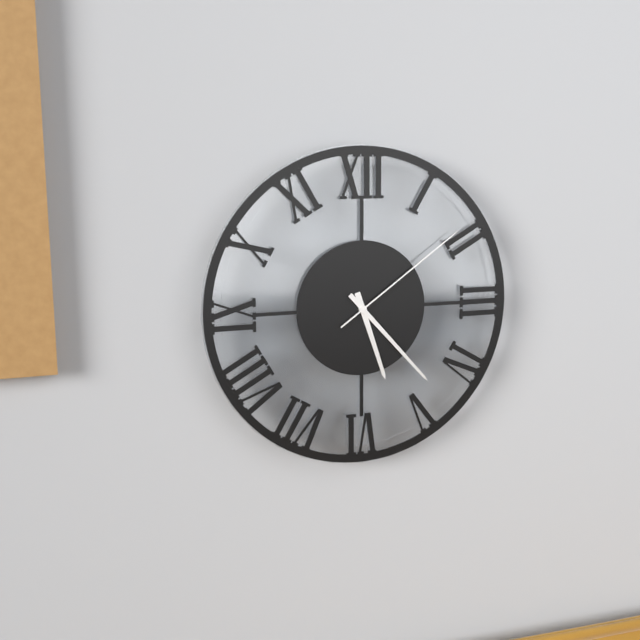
5:23:09
